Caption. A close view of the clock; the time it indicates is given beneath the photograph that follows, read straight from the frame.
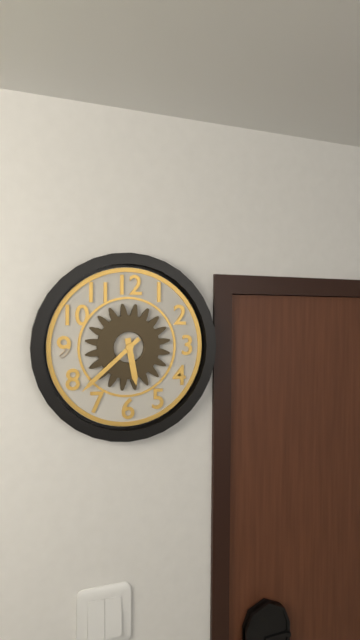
5:38
